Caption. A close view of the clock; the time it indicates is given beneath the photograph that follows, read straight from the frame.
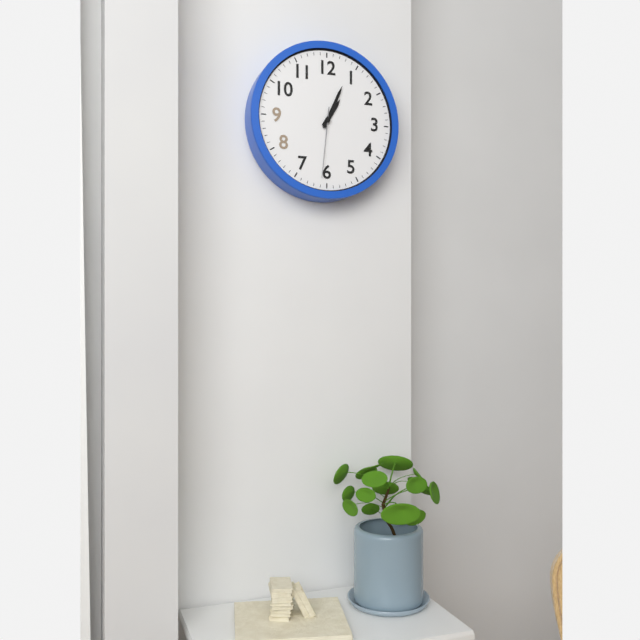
1:04:31
